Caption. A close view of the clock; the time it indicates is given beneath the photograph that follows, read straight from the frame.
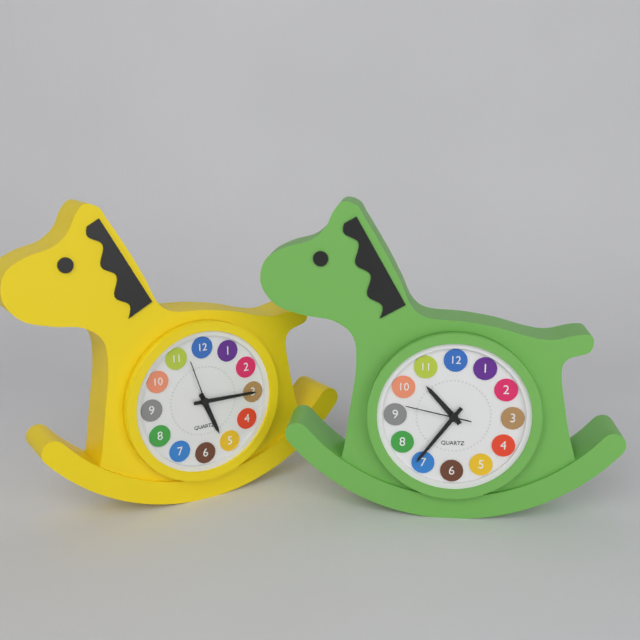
10:36:47
